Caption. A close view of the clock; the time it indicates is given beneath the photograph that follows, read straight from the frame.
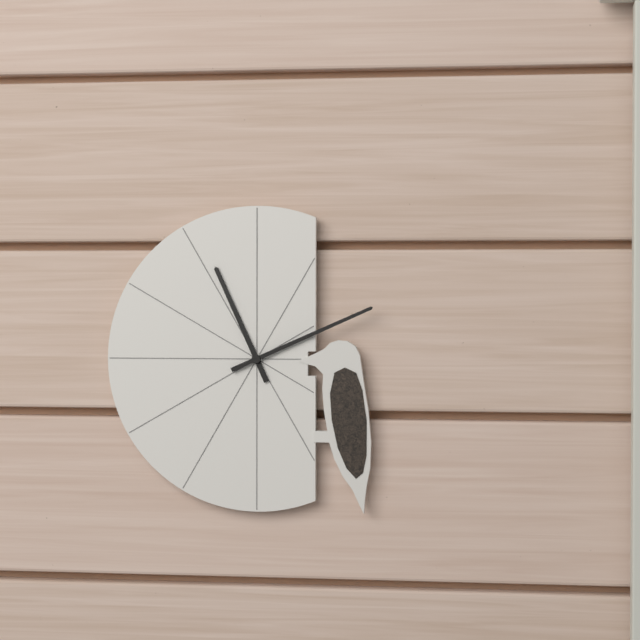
11:11
